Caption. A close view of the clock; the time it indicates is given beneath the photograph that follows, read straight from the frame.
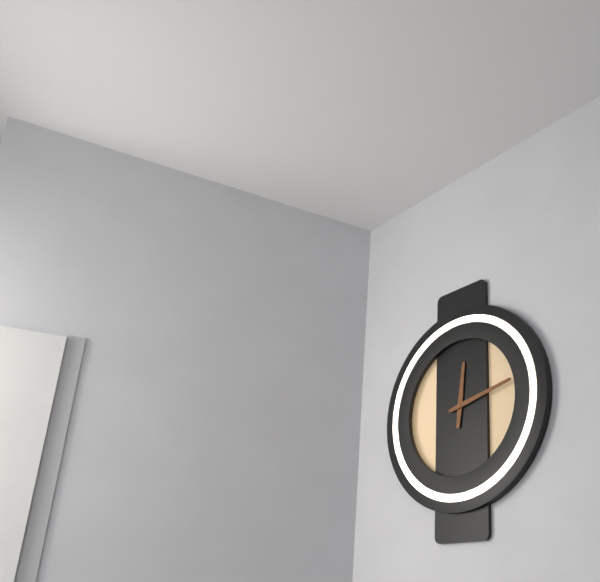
12:13
